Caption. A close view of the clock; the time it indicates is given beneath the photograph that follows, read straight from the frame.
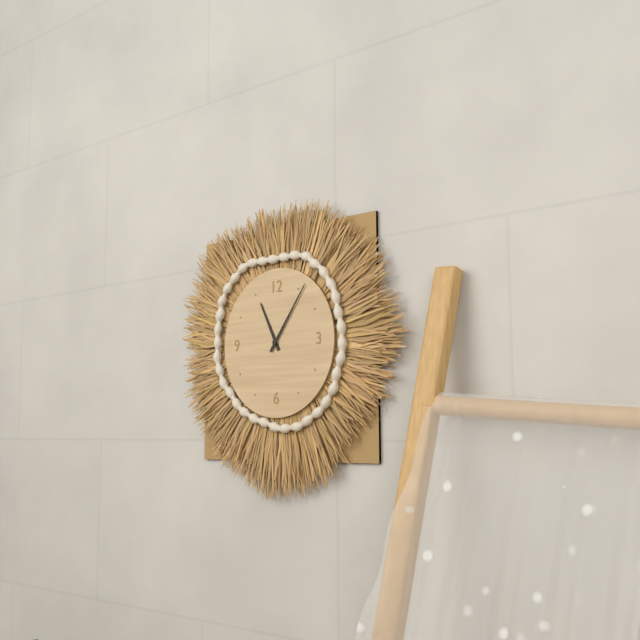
11:06
